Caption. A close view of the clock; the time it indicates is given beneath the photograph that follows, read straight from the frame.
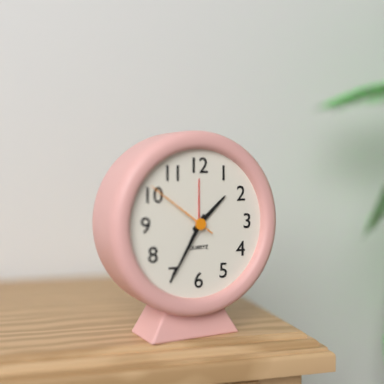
1:35:51
